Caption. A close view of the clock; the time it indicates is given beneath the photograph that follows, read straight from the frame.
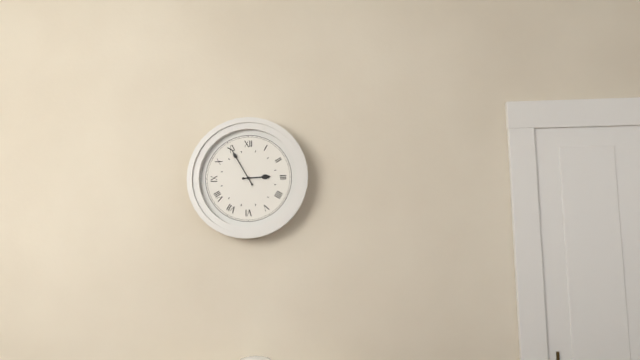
2:55
